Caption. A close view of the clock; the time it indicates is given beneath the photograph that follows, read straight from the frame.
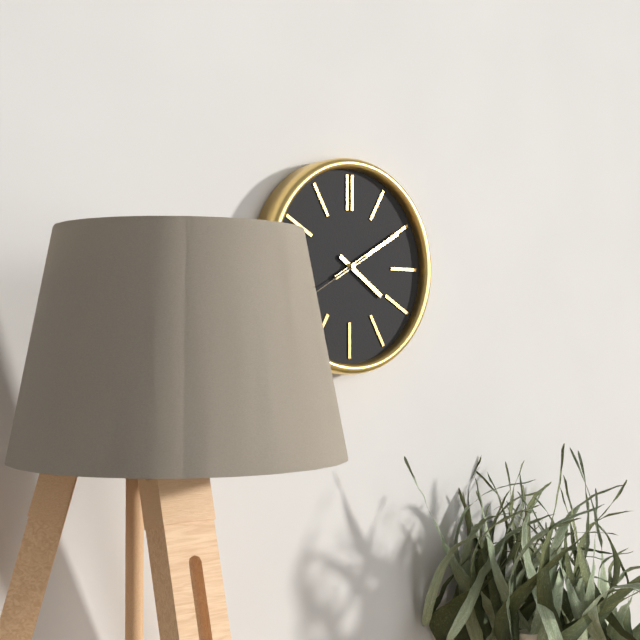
4:10
